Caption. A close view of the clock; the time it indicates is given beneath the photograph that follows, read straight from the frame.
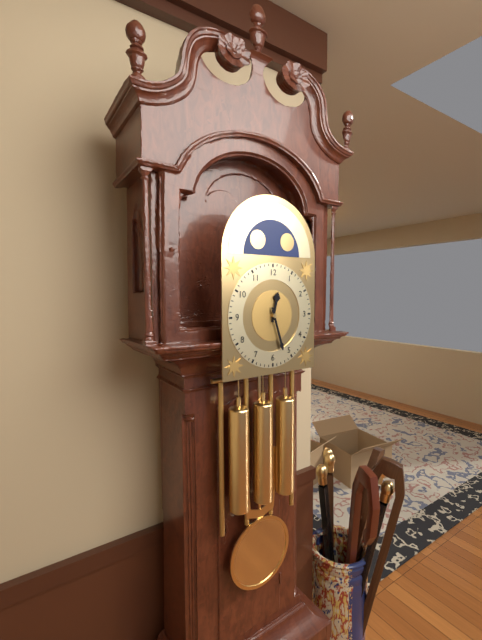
12:27
